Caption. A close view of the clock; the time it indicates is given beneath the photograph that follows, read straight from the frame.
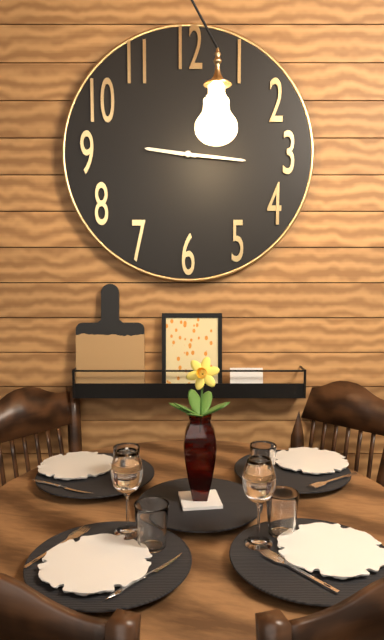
9:16
